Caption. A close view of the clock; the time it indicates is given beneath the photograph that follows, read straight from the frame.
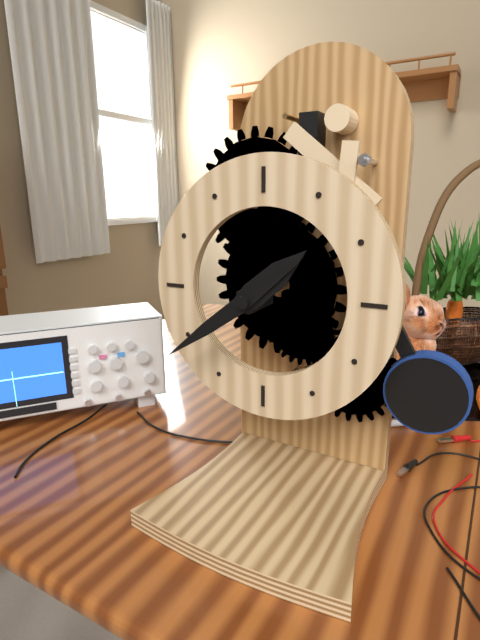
1:39
